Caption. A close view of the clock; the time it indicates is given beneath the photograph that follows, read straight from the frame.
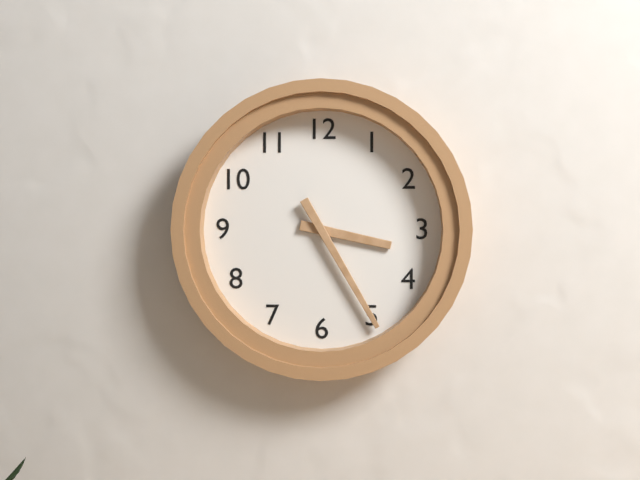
3:25
